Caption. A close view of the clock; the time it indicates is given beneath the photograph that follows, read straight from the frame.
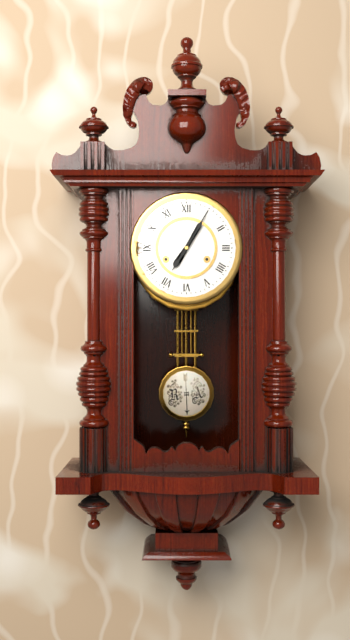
7:05
